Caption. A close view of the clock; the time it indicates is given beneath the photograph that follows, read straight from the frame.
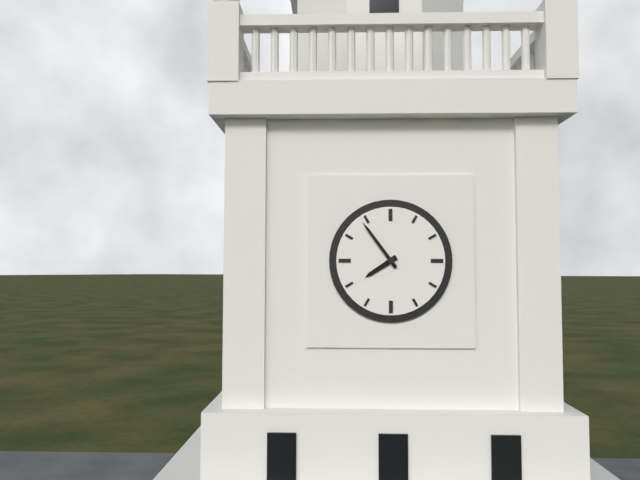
7:54
